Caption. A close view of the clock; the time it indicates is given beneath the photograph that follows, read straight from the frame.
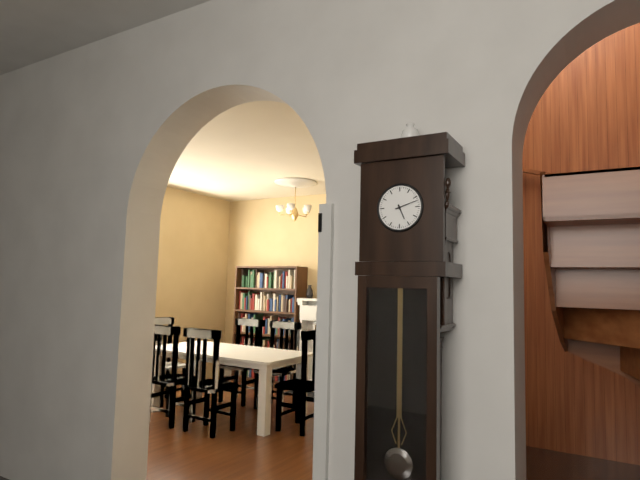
5:12
